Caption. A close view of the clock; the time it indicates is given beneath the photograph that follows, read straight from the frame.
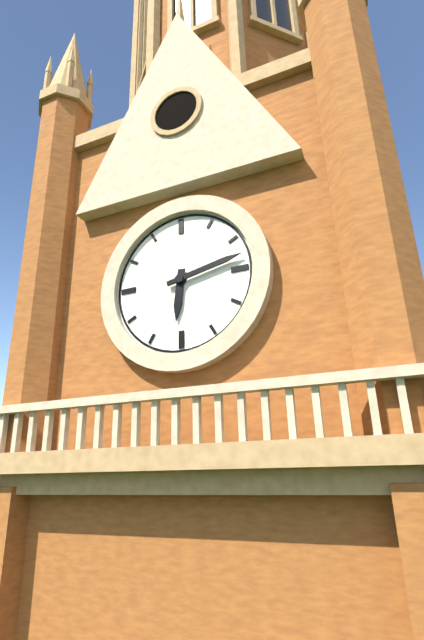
6:13
